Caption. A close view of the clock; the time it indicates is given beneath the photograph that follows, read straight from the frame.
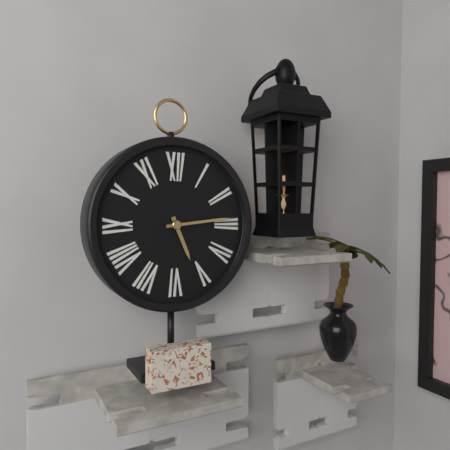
5:14
